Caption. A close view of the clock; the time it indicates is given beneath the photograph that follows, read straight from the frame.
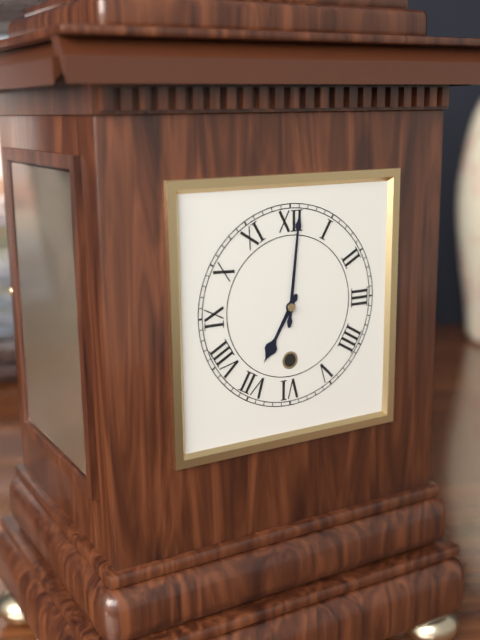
7:01
